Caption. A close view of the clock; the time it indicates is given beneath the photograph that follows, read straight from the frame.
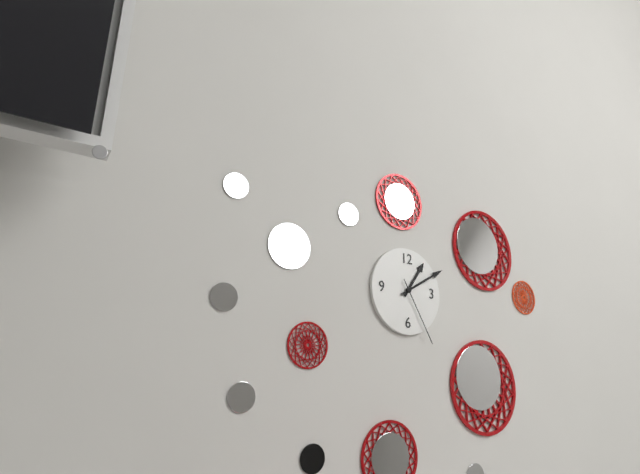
1:10:25
